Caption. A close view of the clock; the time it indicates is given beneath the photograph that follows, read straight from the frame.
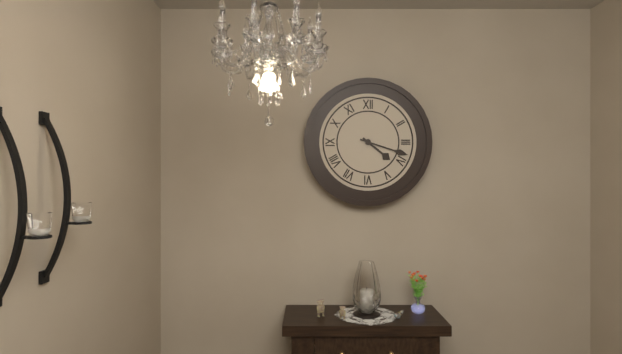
4:18
